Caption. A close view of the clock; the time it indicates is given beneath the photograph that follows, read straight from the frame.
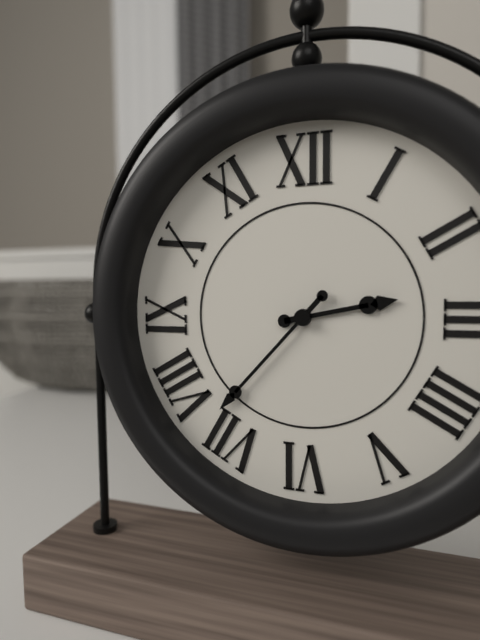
2:37
